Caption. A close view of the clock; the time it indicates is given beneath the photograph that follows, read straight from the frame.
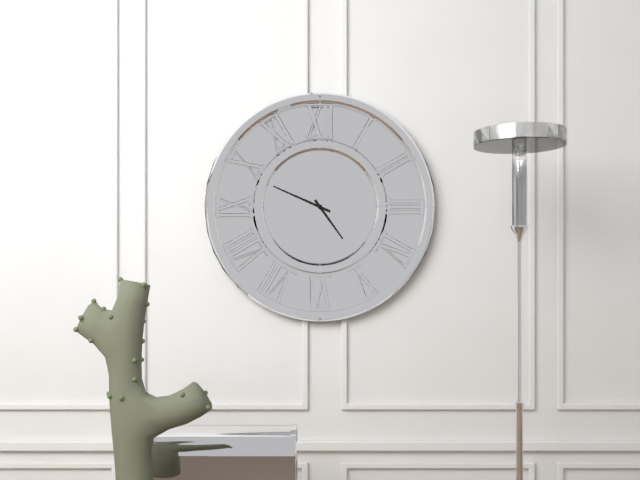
4:49
